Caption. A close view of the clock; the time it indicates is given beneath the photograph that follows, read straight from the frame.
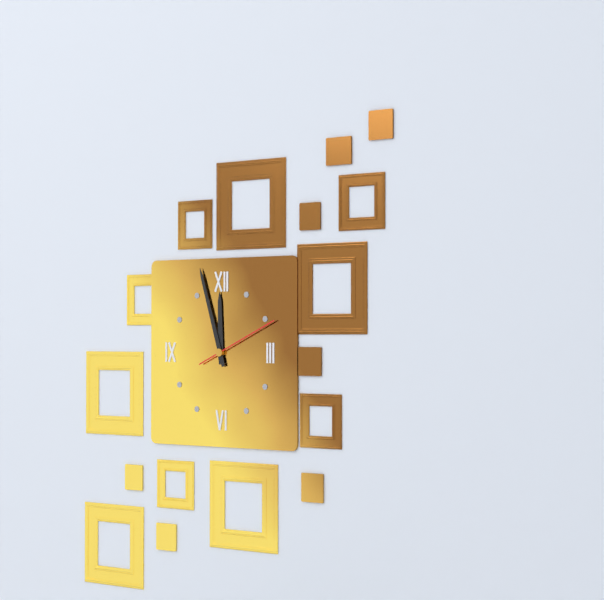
11:57:11
